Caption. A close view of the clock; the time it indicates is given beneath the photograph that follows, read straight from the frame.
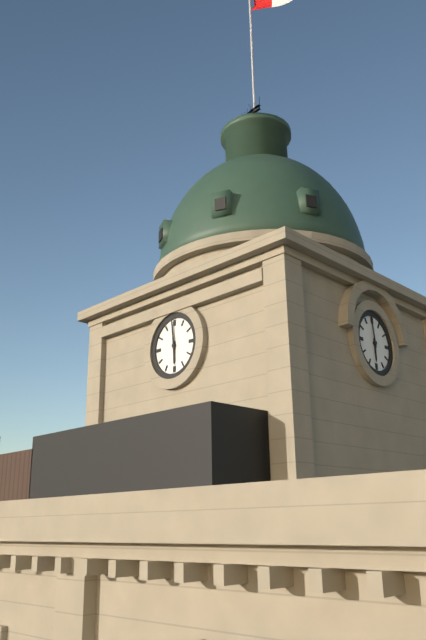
5:59
